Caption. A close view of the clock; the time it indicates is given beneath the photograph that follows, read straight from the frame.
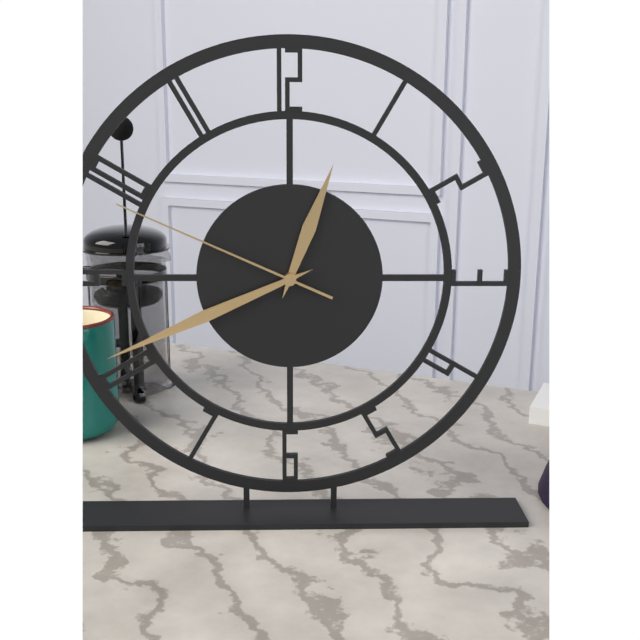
12:41:49
